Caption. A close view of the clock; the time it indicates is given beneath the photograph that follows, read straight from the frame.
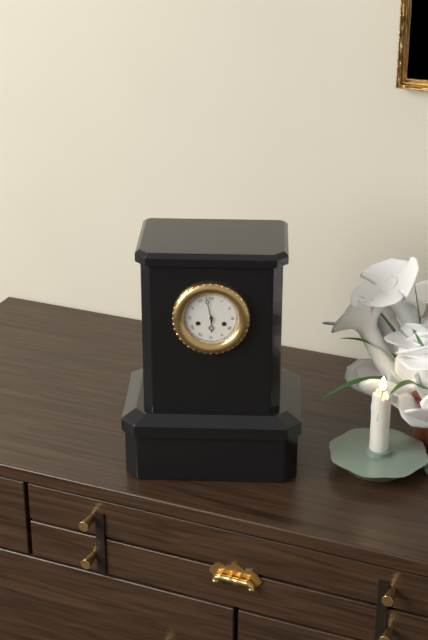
5:58
